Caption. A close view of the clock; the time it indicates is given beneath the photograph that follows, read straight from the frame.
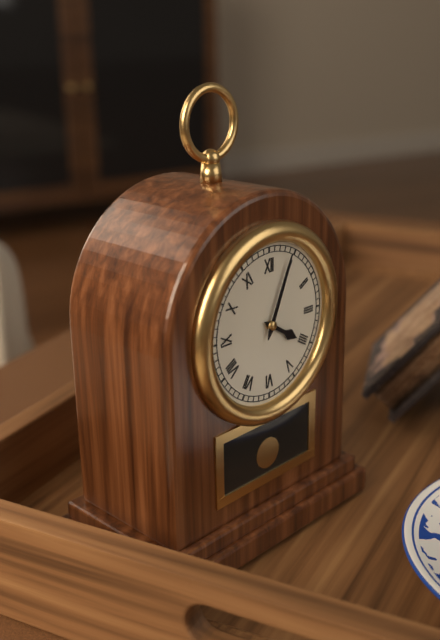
4:04
